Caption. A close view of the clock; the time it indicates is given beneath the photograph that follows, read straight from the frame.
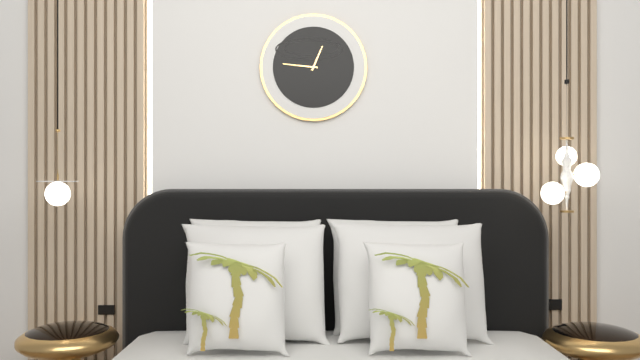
12:46
